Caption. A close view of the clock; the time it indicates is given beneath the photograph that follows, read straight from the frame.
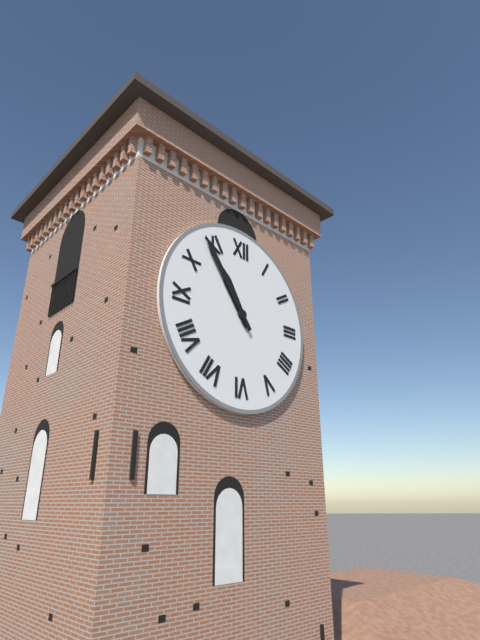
10:54
